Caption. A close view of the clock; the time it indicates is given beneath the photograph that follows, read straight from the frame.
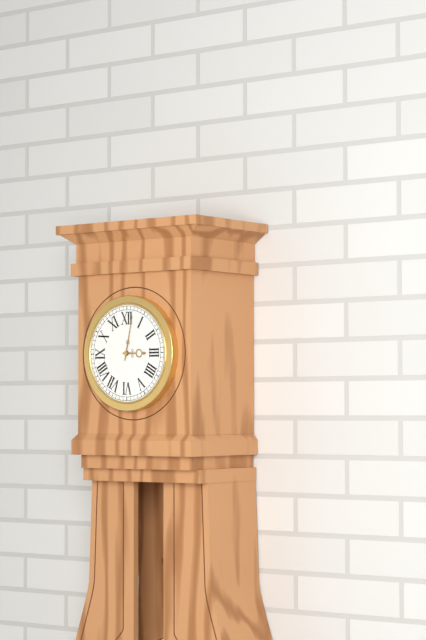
3:02
